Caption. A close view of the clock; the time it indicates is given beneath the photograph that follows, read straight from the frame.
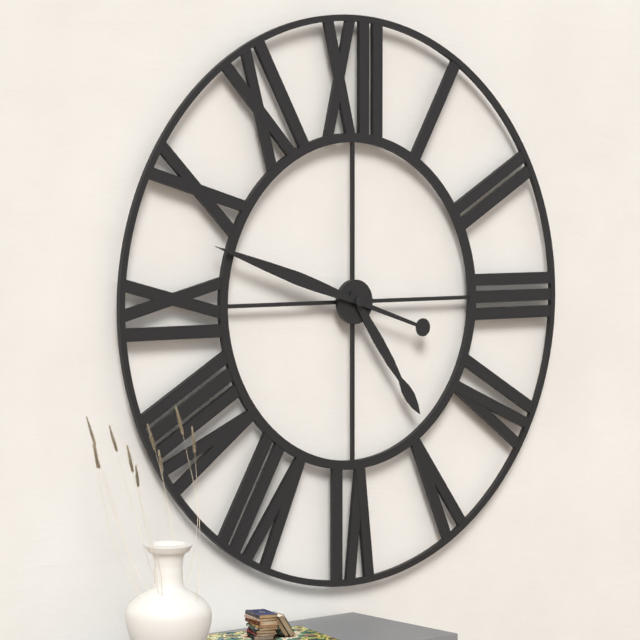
4:48
